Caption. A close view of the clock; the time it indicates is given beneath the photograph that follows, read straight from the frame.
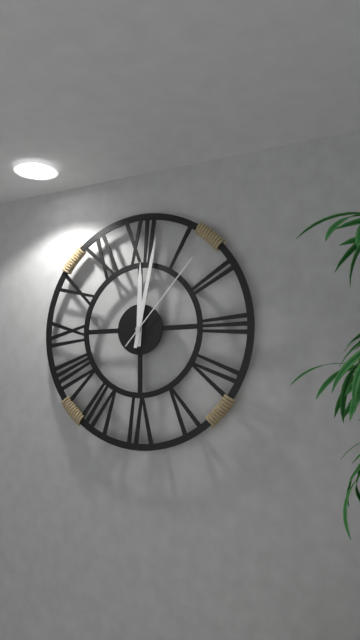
12:02:07
